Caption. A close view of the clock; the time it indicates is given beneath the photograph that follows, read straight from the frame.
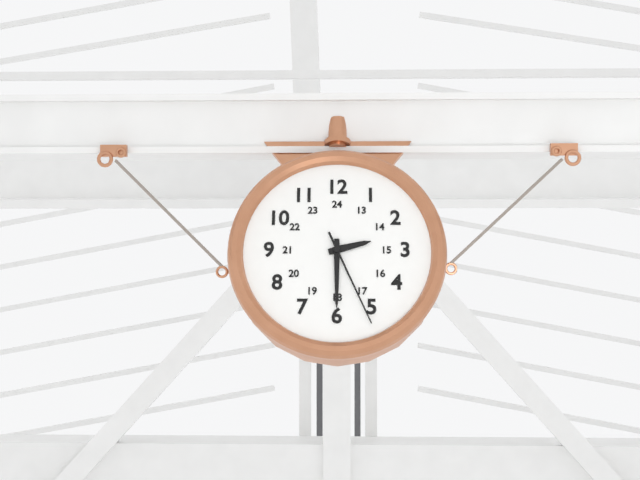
2:30:26
